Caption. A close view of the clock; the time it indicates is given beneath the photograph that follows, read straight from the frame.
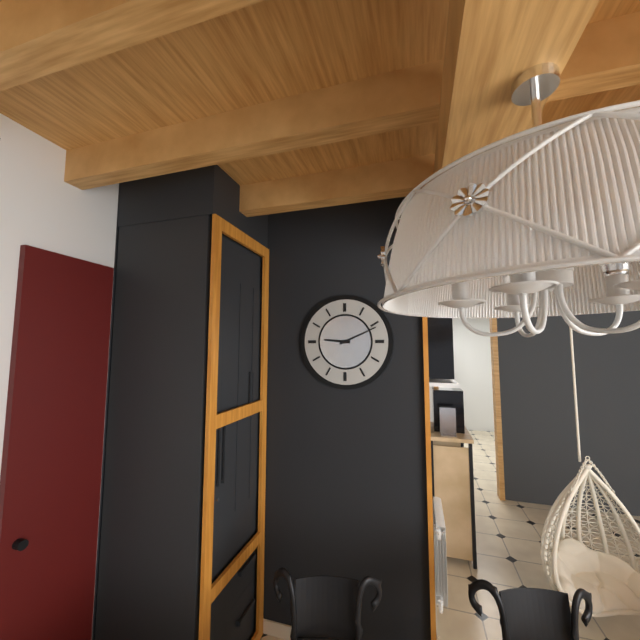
9:11
